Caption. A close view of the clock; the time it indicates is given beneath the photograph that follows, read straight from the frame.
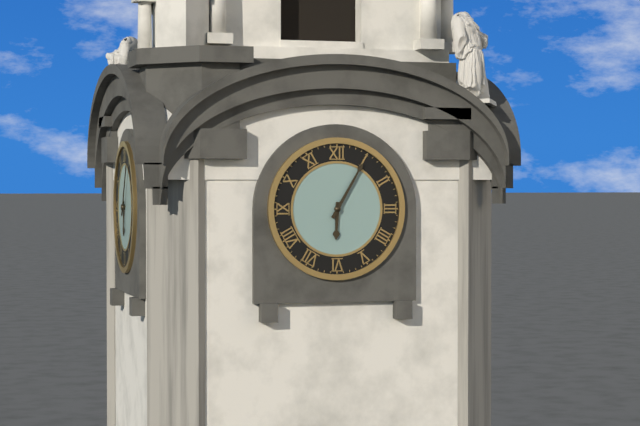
6:05
